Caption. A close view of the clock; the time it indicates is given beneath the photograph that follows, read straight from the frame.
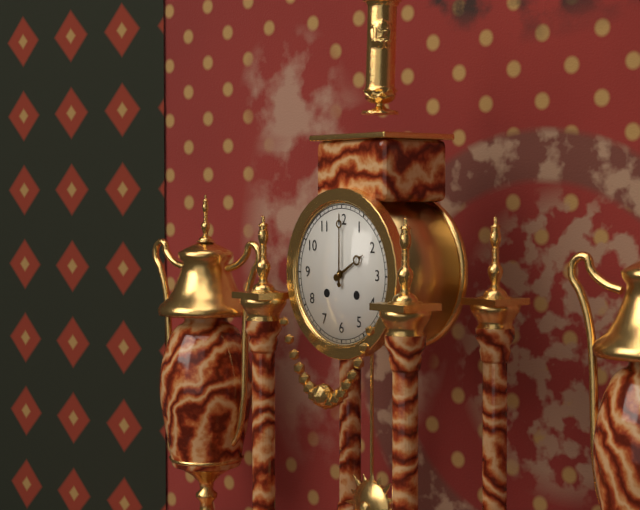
2:00
